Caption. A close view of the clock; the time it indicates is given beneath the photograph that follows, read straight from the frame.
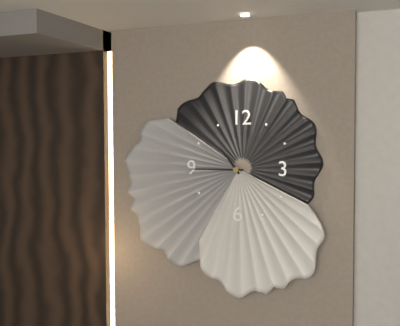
10:45
